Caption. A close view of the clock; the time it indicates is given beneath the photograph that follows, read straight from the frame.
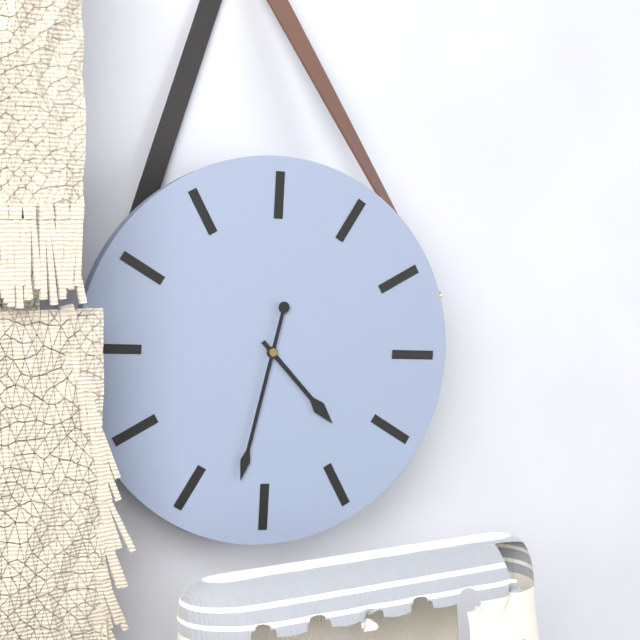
4:32
